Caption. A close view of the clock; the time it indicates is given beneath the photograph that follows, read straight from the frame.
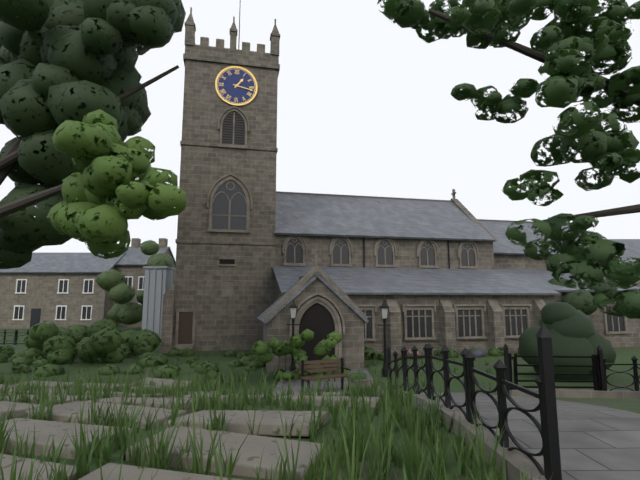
1:17
